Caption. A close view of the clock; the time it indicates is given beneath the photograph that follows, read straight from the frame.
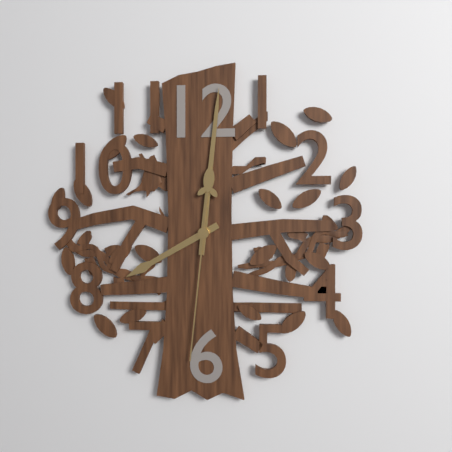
8:01:31
